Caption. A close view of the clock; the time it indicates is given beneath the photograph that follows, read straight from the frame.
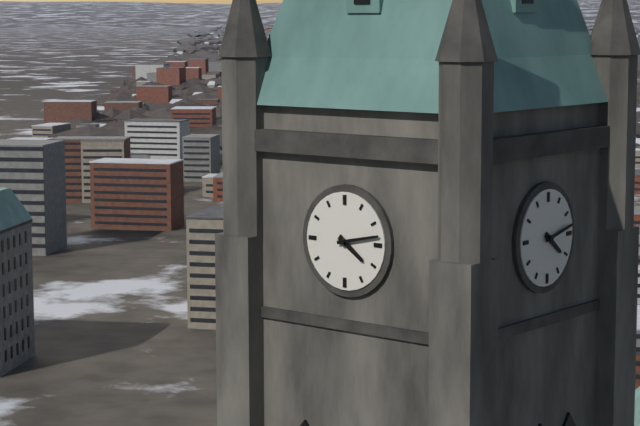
4:13
